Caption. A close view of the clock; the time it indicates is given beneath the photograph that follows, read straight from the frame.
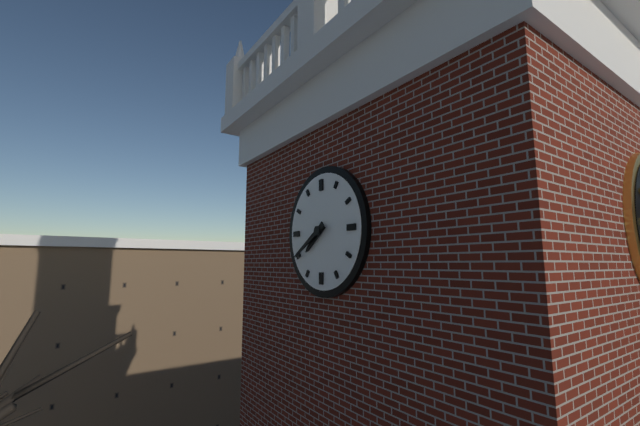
7:40
